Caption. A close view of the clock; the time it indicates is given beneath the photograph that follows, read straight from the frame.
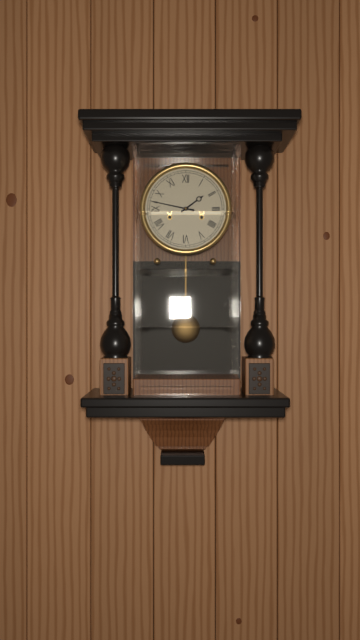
1:47
